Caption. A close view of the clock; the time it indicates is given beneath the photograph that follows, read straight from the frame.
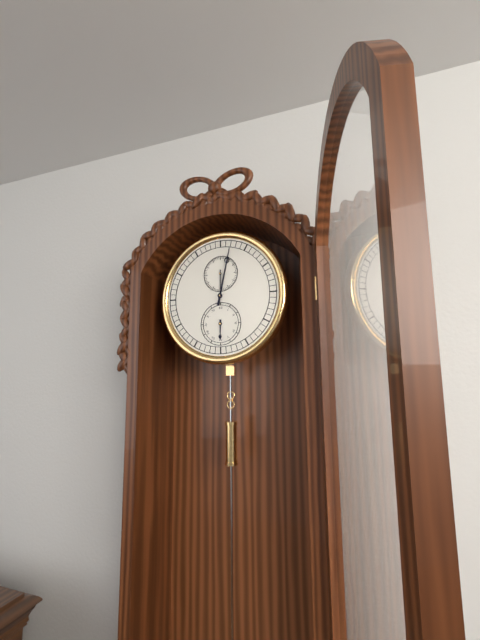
6:02
